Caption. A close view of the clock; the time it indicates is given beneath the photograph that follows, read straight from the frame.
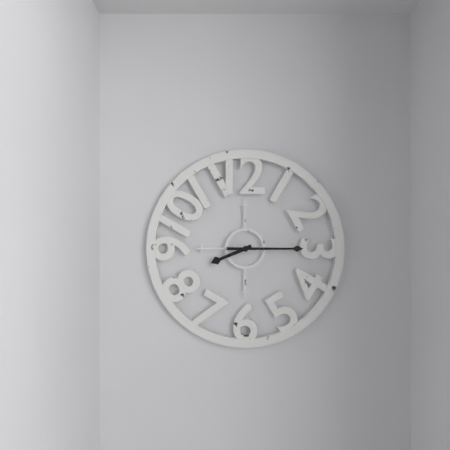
8:15
